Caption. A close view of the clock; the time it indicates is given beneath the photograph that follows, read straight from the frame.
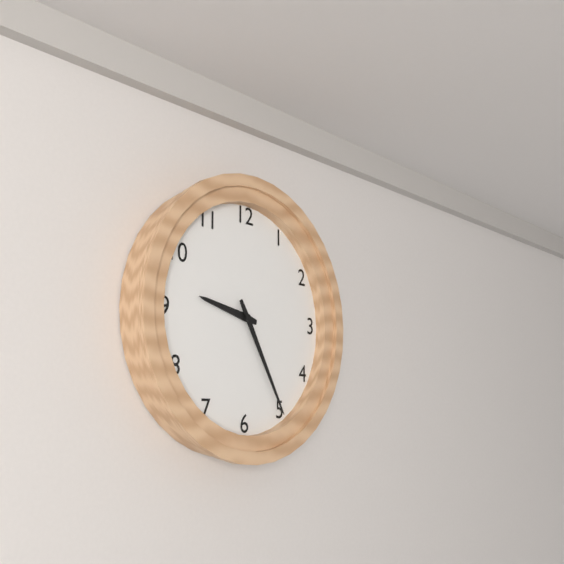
9:25
